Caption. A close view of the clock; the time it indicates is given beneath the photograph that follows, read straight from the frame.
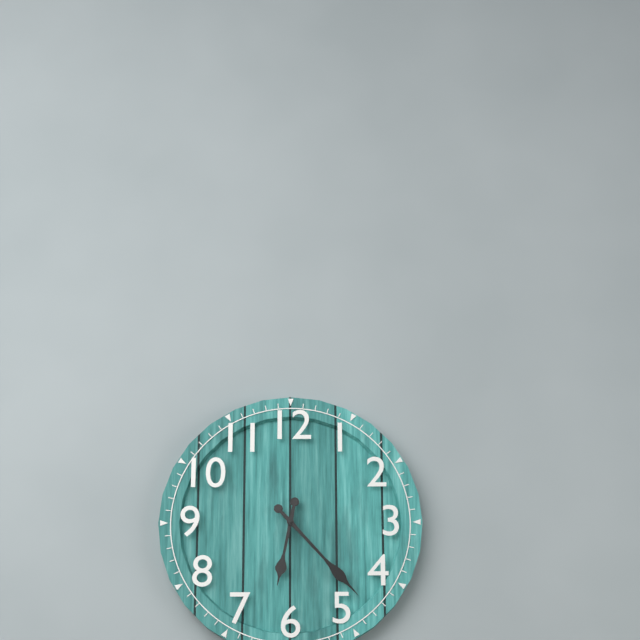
6:23
